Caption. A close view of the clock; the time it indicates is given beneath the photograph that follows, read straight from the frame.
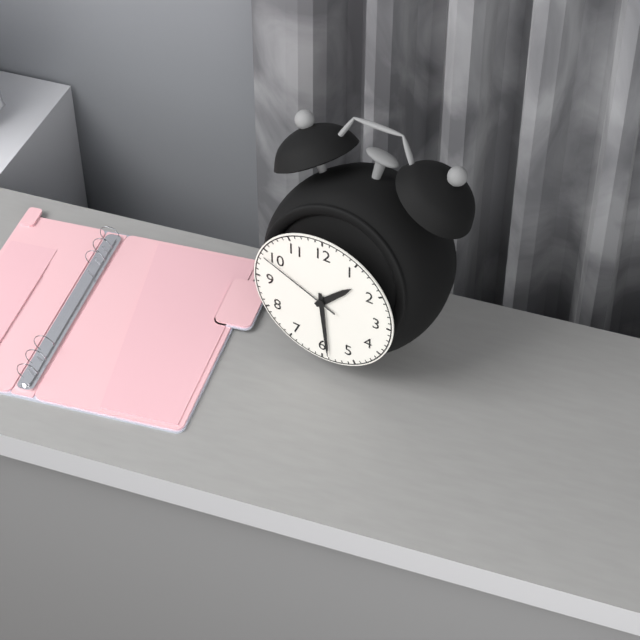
1:29:49
